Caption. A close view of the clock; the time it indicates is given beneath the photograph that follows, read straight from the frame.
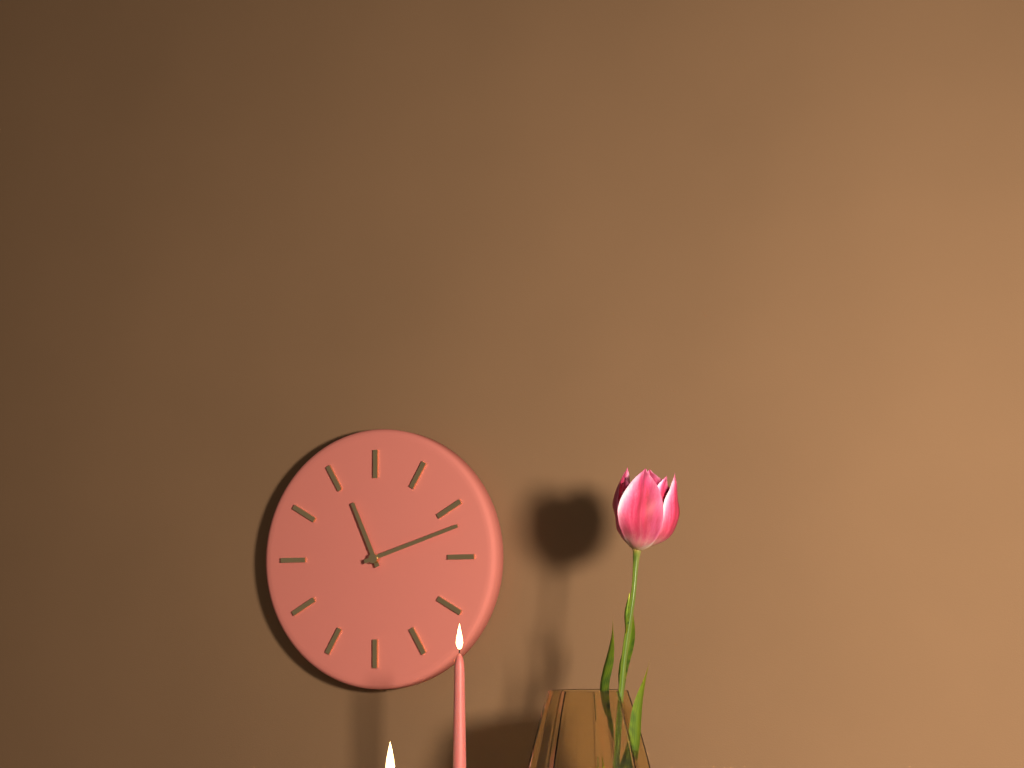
11:12
